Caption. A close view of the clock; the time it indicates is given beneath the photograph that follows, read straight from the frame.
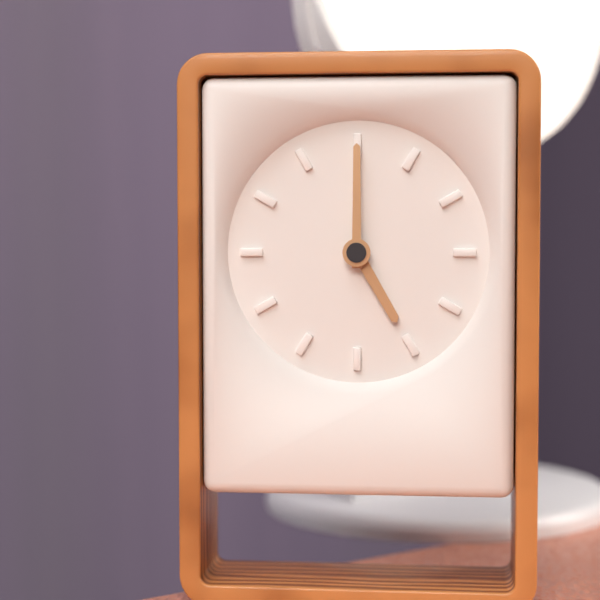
5:00
